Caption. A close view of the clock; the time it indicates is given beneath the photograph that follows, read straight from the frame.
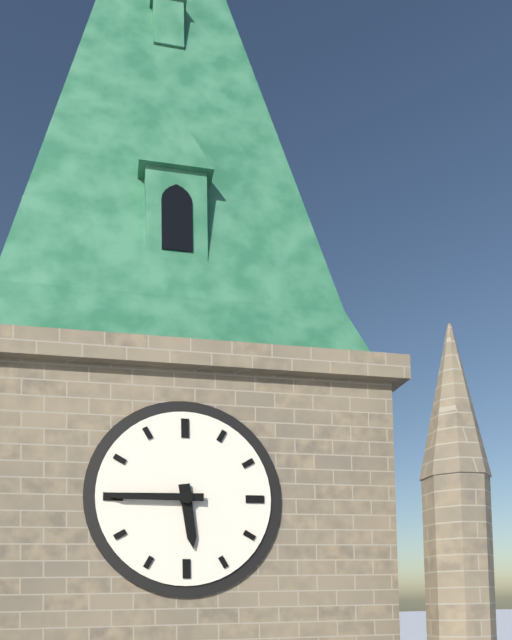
5:45
